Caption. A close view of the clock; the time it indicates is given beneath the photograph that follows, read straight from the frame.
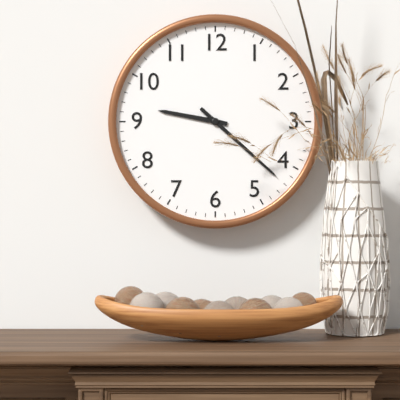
9:22
